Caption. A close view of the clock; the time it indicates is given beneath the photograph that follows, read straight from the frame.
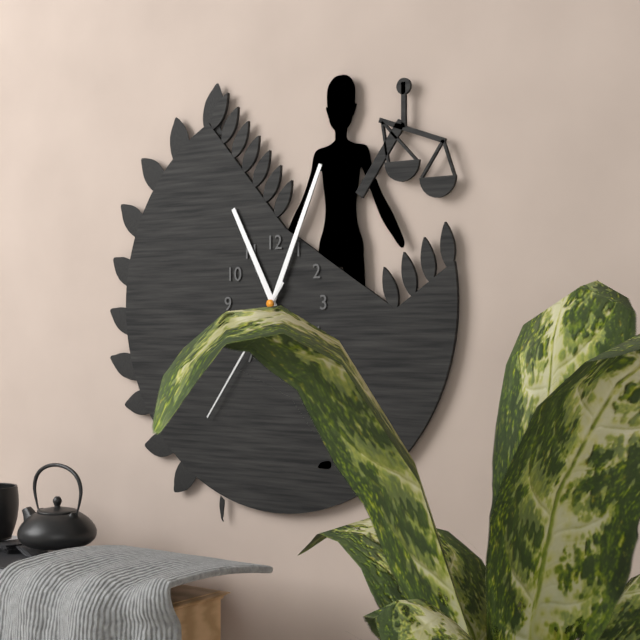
11:04:36
